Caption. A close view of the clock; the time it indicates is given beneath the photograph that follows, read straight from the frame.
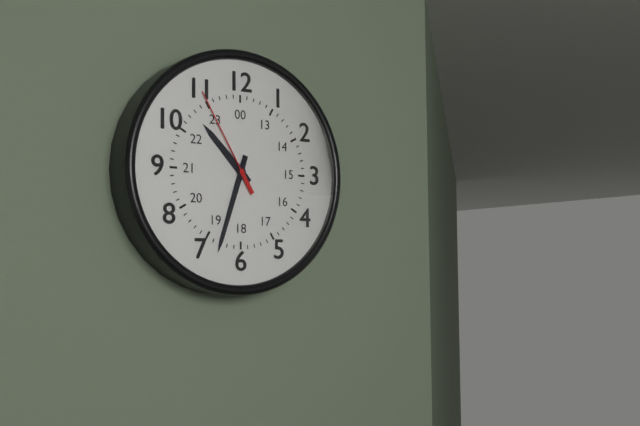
10:33:55
